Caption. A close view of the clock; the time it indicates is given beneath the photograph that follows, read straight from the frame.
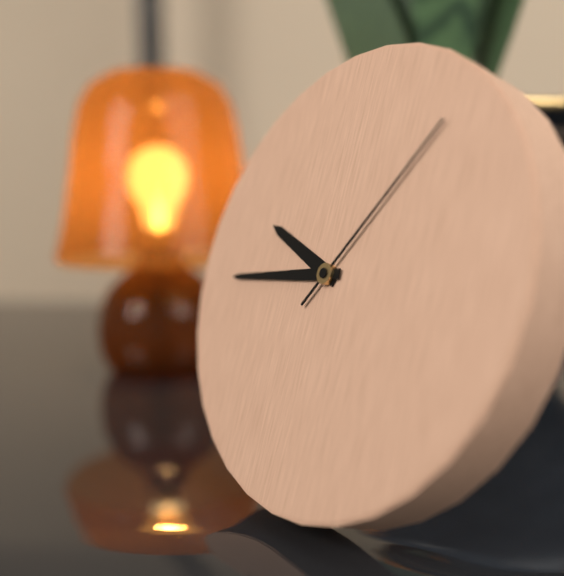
9:44:06
